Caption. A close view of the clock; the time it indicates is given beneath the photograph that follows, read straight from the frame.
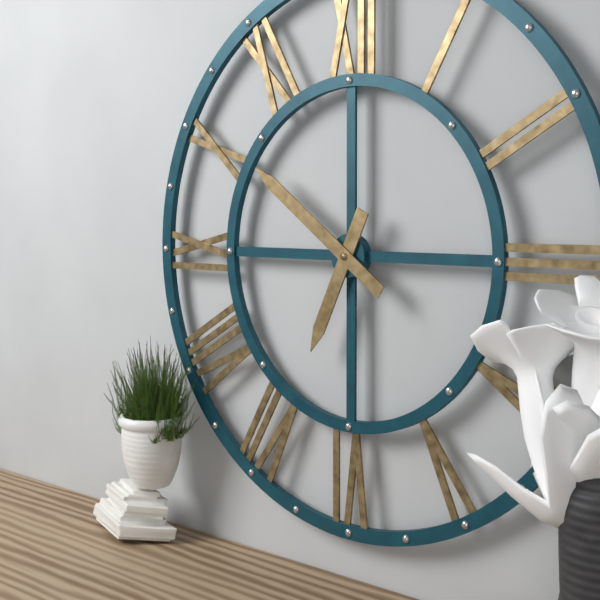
6:51
